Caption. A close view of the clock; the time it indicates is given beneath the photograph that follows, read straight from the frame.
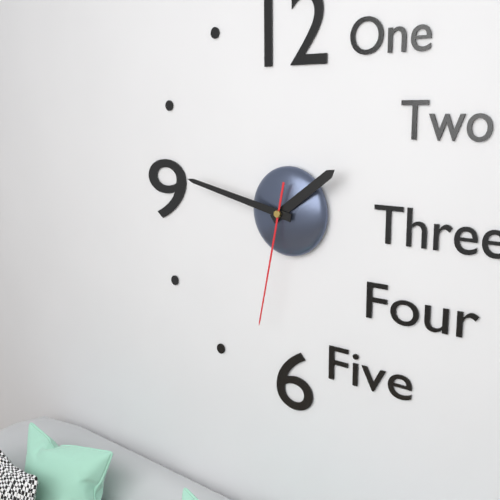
1:47:32
